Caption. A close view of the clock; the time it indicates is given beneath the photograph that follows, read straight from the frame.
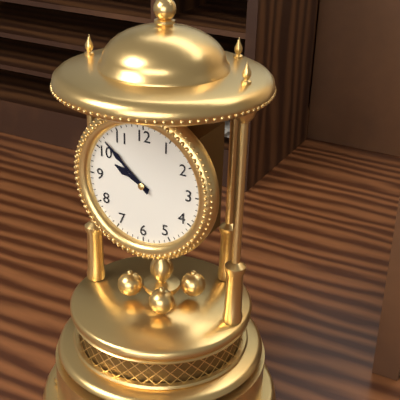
9:52
